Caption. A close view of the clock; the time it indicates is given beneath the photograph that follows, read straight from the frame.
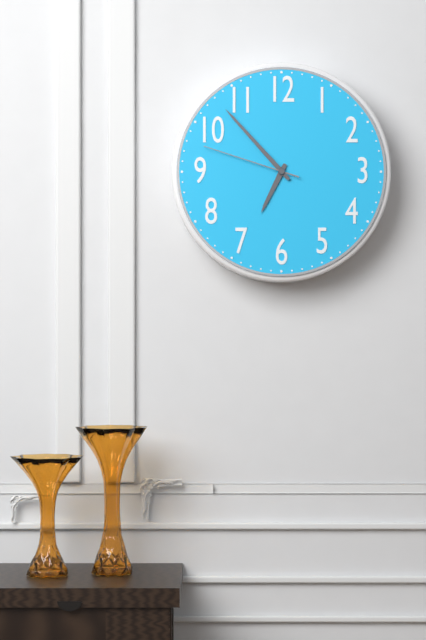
6:53:48
